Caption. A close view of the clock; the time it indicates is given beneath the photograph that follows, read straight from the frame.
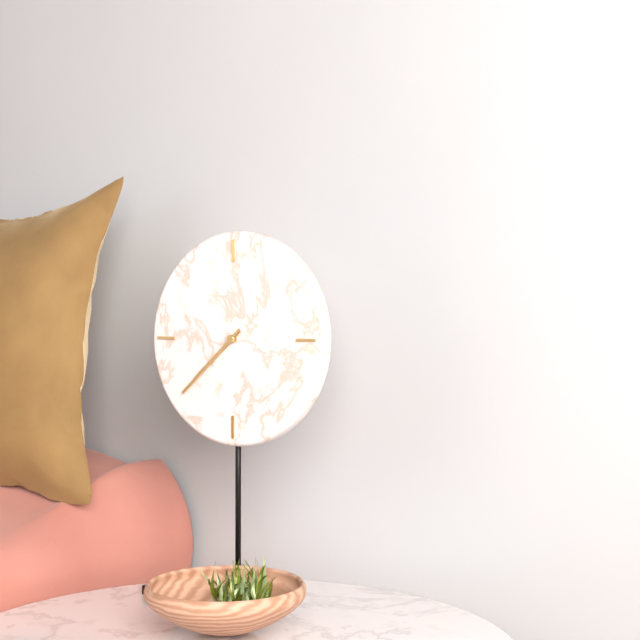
7:38
